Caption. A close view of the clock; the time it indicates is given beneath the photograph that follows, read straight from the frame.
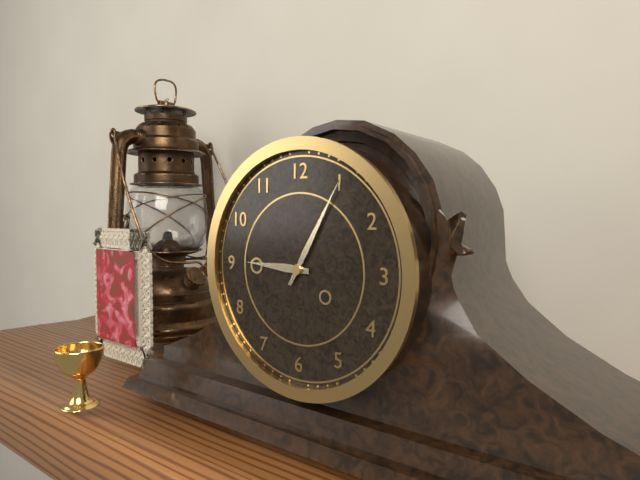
9:05
